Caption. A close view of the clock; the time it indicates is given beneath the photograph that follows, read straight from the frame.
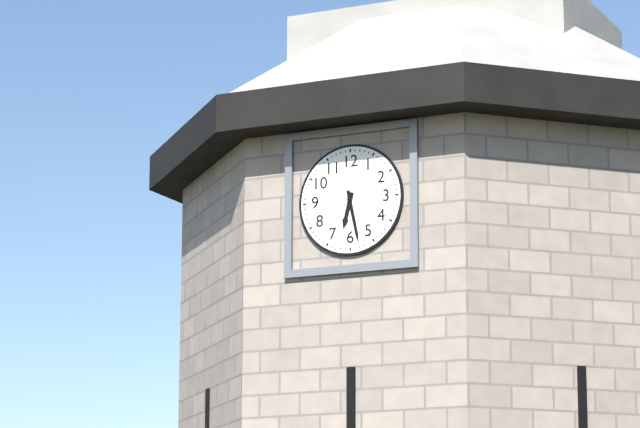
6:28
